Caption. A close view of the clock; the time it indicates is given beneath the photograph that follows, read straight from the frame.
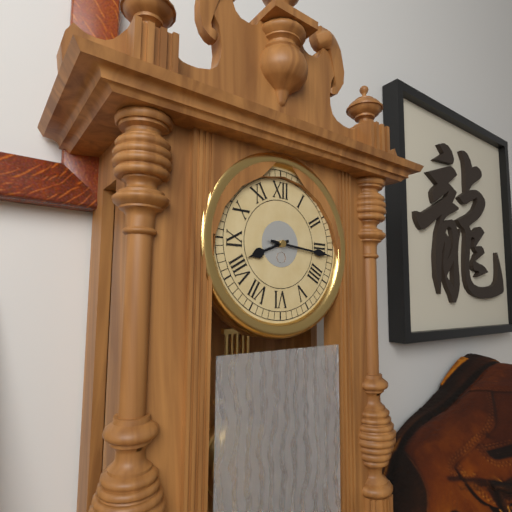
8:16
